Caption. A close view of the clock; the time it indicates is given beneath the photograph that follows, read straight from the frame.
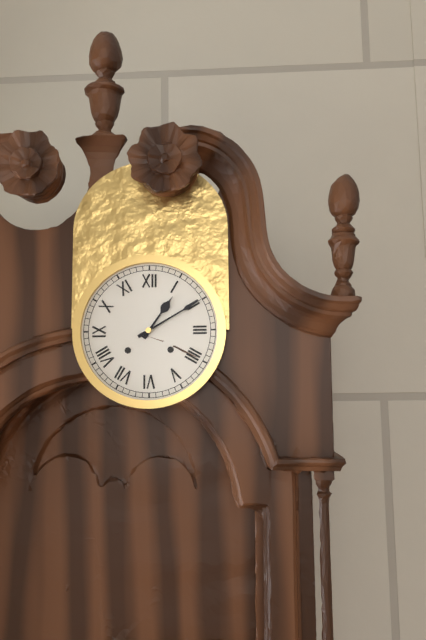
1:10
